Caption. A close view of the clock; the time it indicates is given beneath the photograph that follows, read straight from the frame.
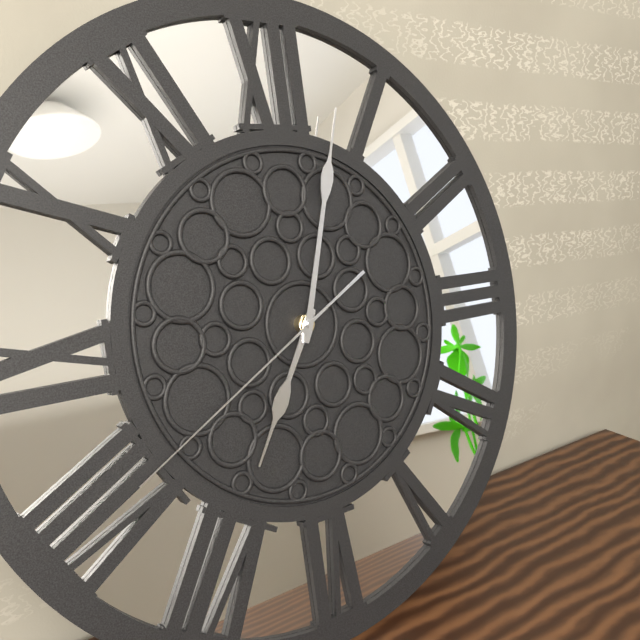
7:03:40
